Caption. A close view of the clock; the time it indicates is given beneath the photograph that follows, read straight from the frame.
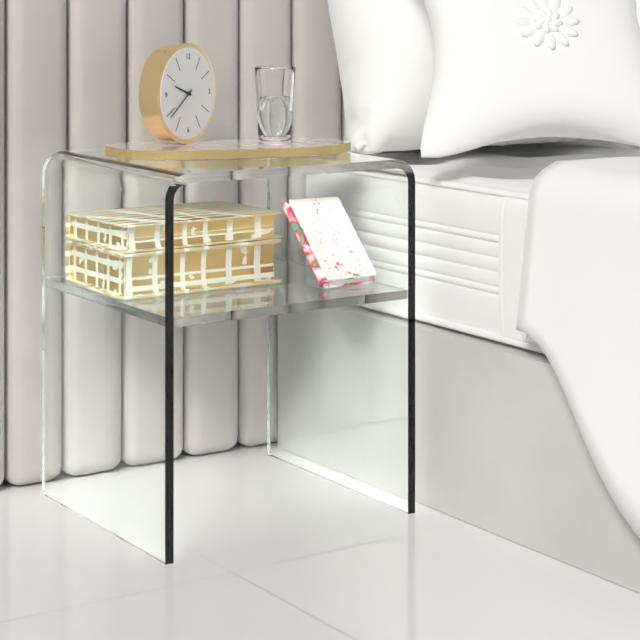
9:39
